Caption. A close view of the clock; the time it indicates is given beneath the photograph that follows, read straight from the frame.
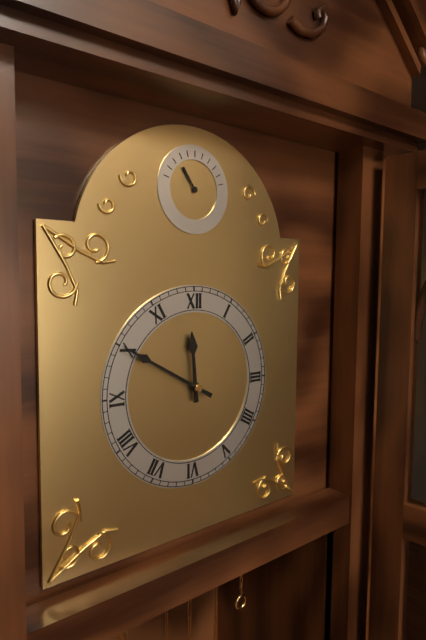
11:50
